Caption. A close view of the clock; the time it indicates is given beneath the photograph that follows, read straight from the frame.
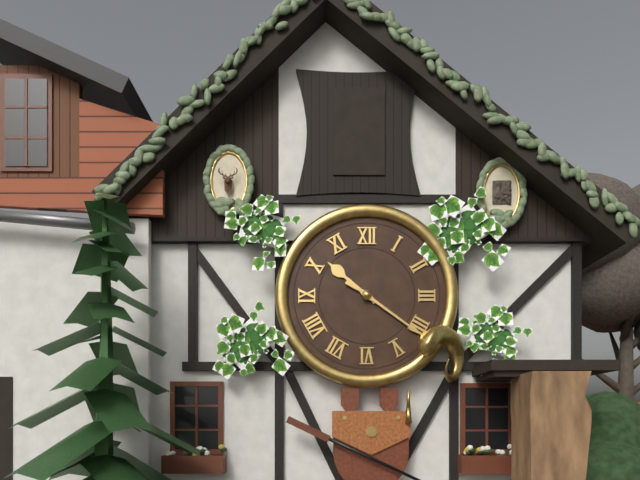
10:21
